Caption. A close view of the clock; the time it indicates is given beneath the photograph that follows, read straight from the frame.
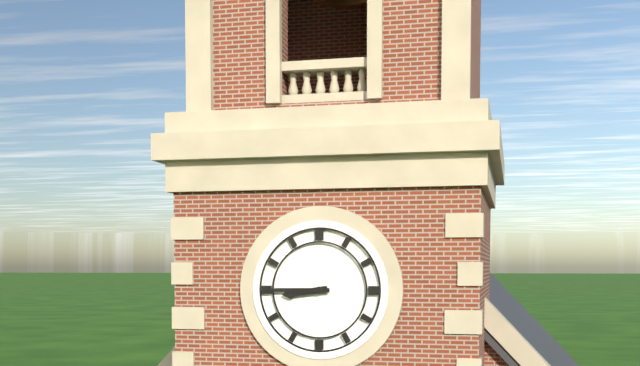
8:45
